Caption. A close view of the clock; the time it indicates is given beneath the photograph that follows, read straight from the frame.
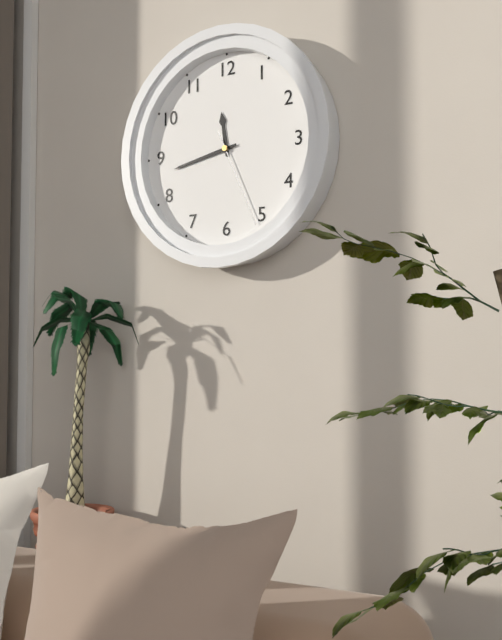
11:43:26
